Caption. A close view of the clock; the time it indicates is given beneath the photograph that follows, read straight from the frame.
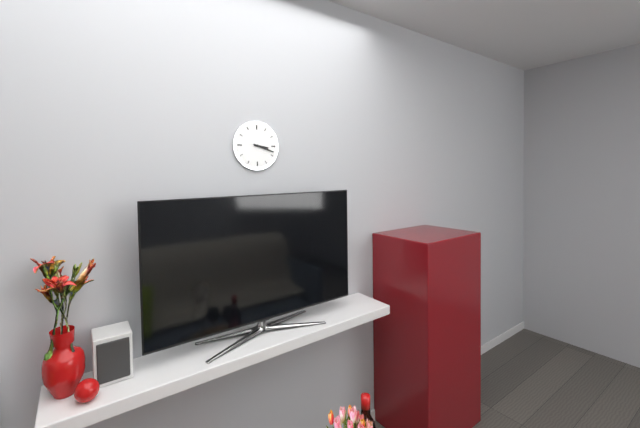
3:18
